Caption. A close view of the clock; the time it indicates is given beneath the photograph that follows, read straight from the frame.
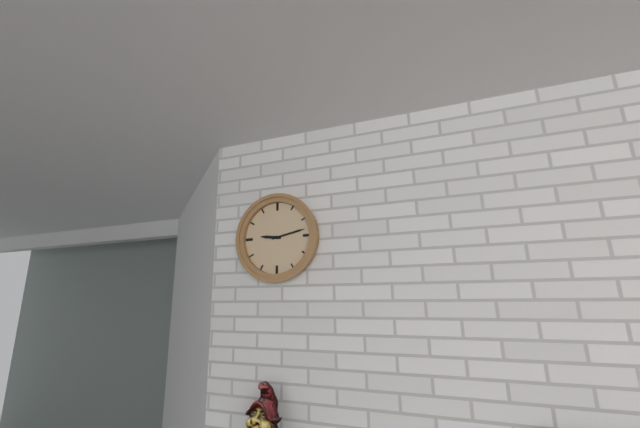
9:13
